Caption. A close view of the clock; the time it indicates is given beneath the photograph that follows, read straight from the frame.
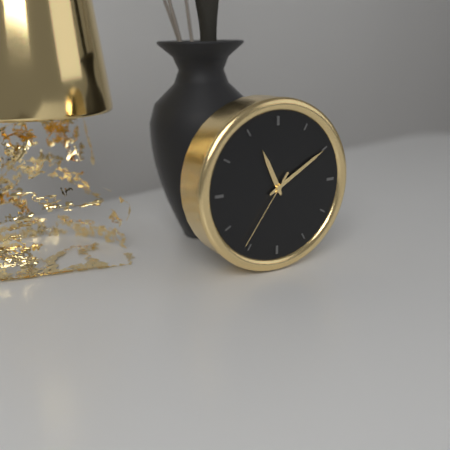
11:10:36
